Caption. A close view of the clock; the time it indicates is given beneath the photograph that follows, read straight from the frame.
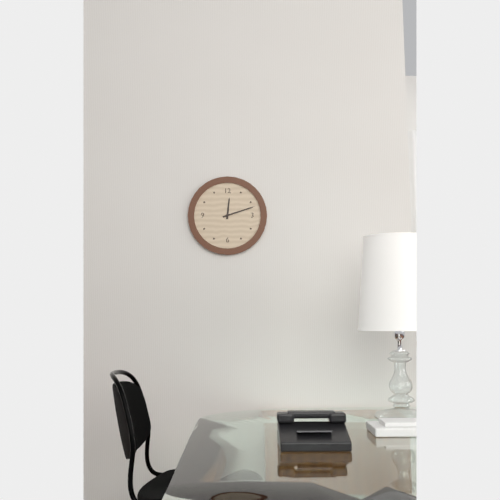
12:12
